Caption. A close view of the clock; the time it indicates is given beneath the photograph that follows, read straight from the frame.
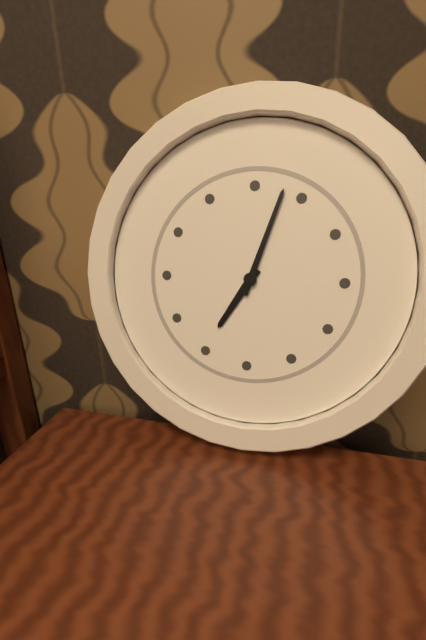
7:03
